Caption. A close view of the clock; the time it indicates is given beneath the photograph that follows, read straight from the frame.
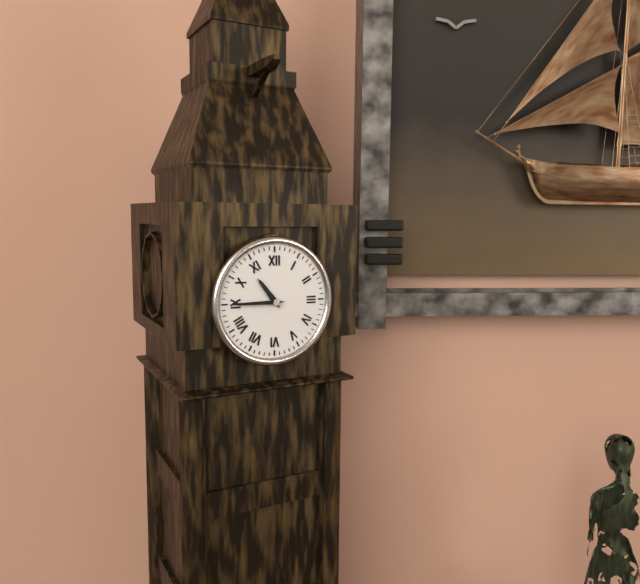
10:45
